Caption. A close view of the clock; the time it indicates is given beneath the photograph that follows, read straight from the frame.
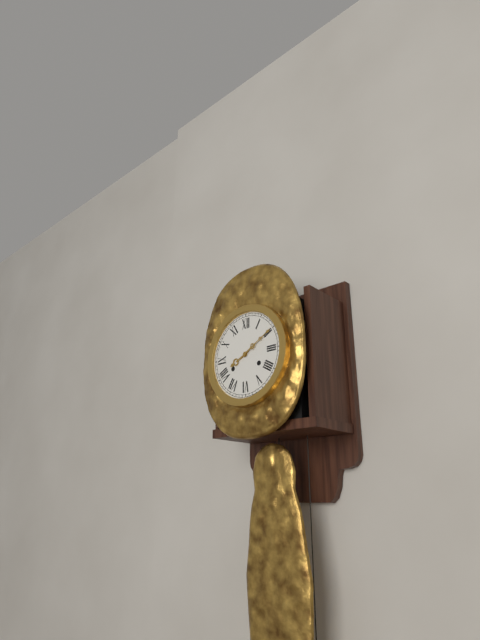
8:10
